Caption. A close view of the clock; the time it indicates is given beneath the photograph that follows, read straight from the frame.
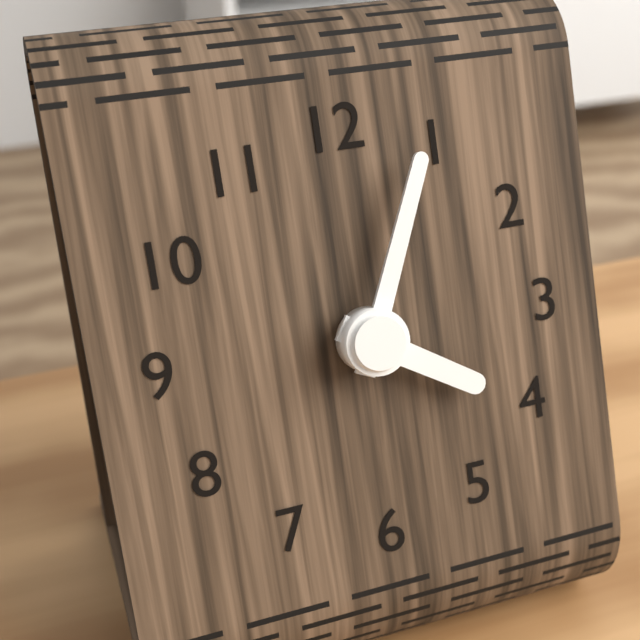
4:04
